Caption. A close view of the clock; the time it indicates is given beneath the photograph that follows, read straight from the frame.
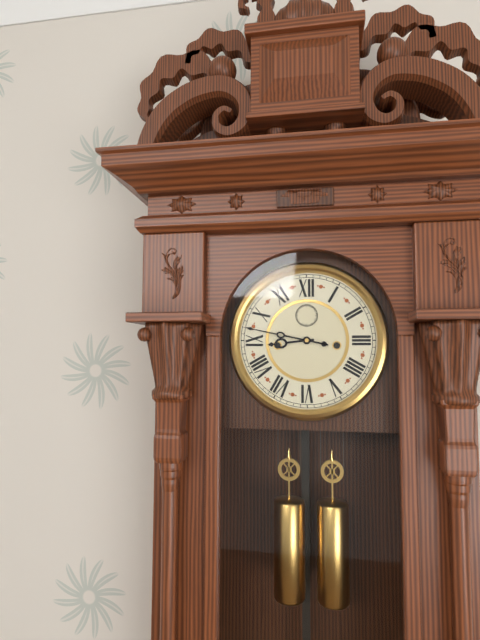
8:47
